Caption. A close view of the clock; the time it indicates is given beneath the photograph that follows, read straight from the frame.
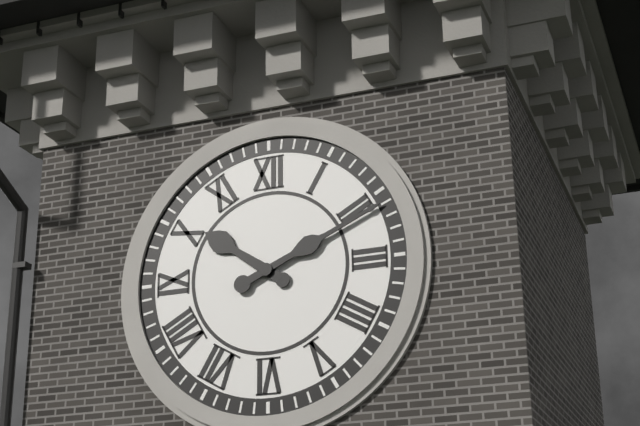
10:11
